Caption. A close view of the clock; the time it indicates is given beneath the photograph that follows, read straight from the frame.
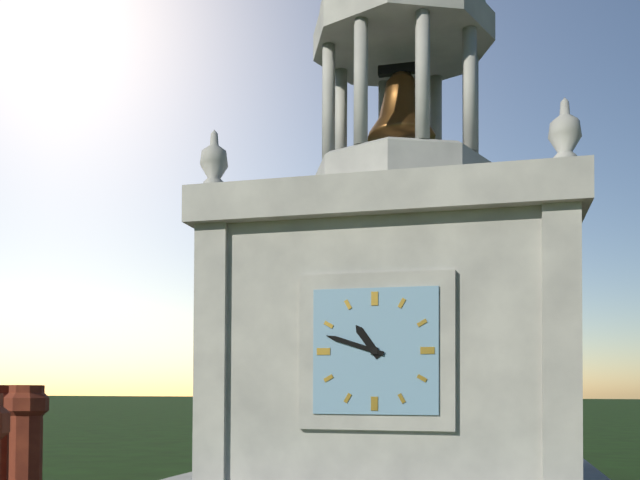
10:48
